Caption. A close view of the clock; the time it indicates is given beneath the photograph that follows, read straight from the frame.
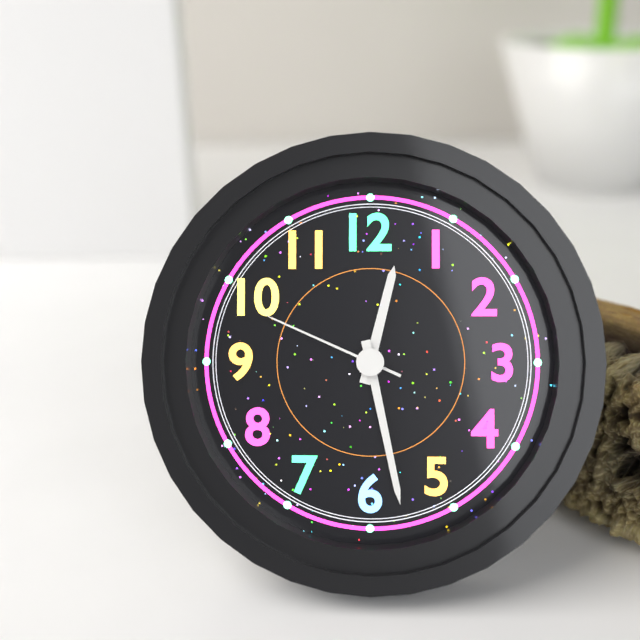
12:28:49
